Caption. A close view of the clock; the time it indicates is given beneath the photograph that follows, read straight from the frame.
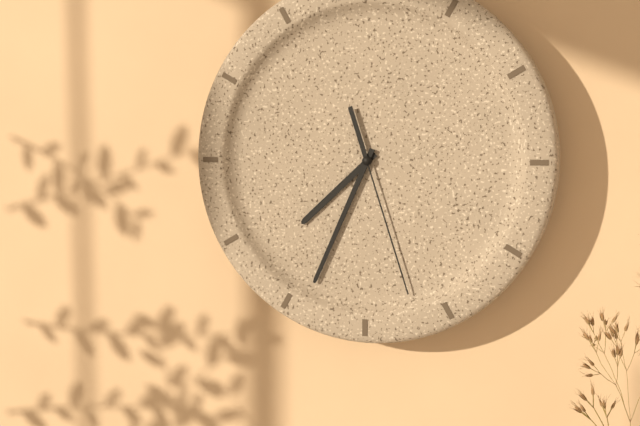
7:34:27
